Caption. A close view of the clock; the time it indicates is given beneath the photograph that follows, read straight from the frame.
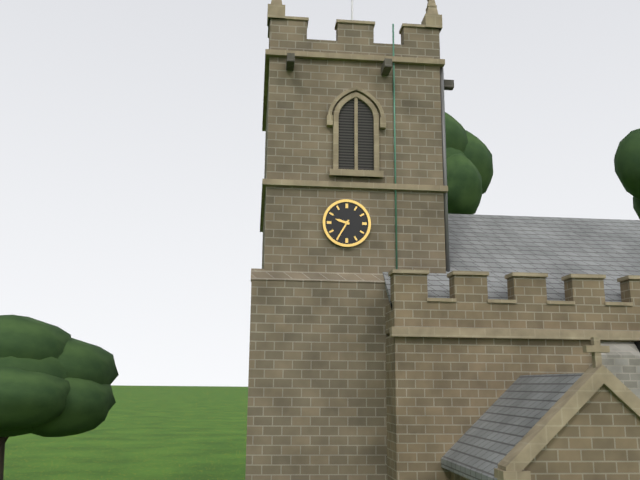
9:35
